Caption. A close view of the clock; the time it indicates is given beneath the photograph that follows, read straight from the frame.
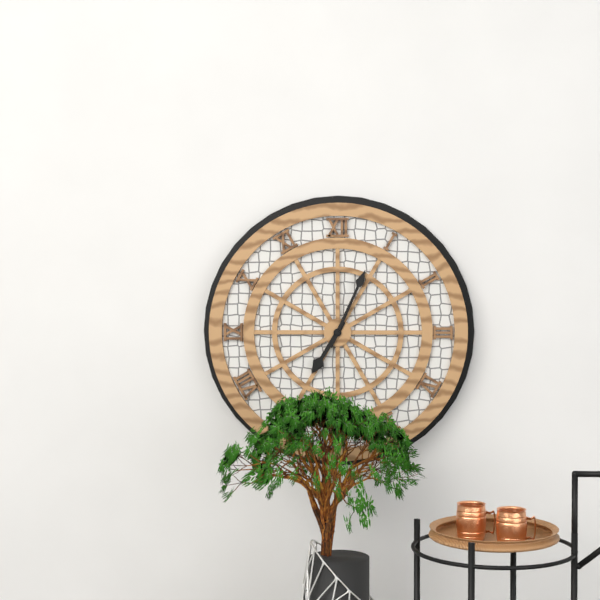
7:04
